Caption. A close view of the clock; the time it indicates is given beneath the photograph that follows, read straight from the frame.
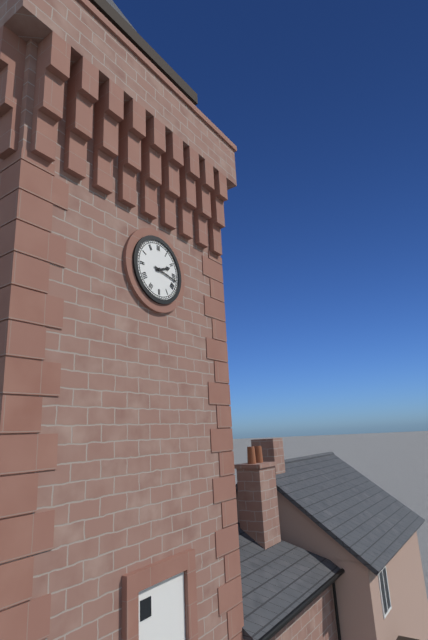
2:17
